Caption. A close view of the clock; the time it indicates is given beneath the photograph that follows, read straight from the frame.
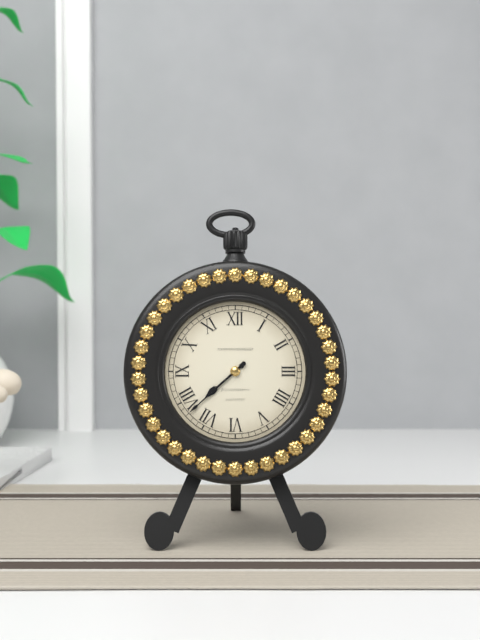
7:38
